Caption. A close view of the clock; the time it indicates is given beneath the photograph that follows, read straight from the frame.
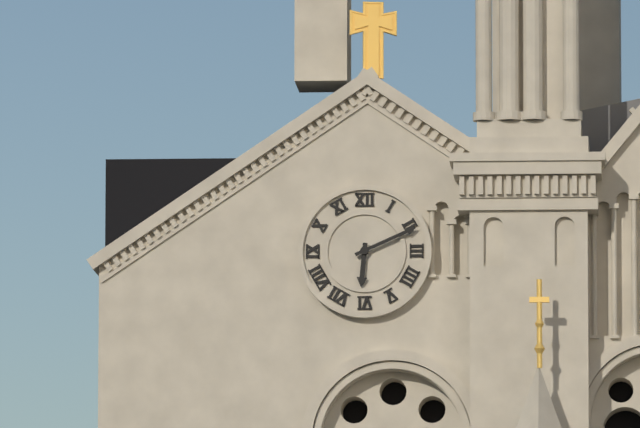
6:11
